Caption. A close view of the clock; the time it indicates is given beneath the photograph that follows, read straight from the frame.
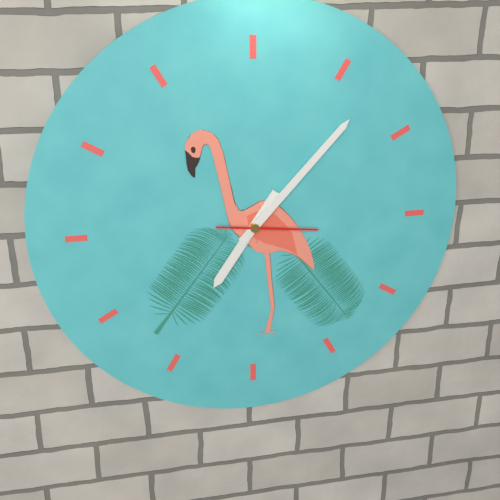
7:07:16
